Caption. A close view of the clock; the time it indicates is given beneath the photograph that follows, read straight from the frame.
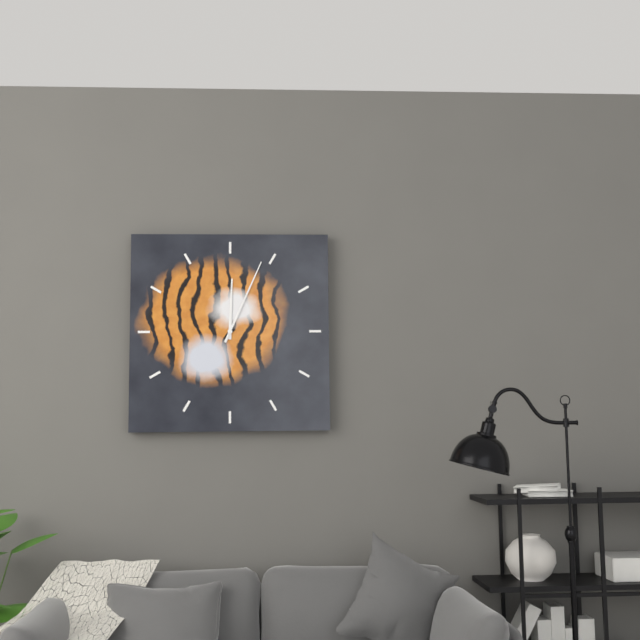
12:04
